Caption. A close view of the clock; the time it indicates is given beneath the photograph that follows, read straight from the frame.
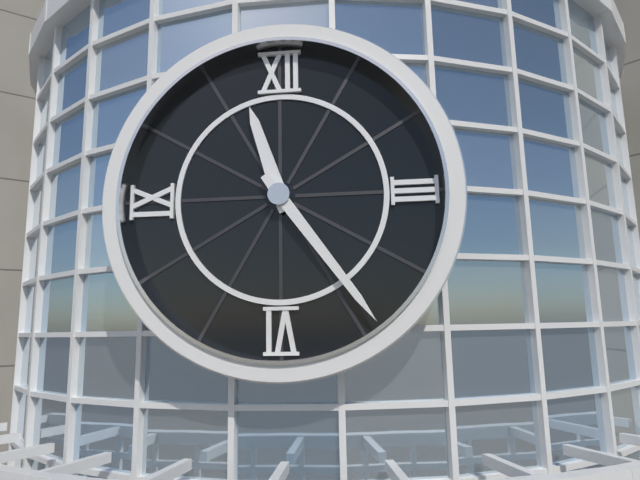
11:24
